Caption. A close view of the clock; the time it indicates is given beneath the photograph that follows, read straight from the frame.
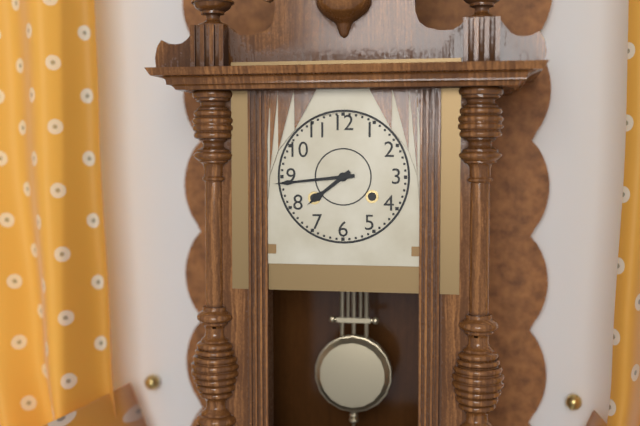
7:44
